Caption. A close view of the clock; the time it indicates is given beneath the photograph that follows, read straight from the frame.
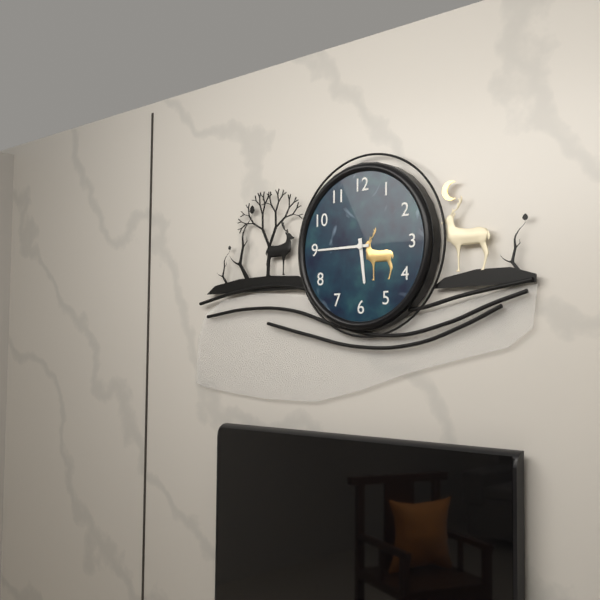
5:45
